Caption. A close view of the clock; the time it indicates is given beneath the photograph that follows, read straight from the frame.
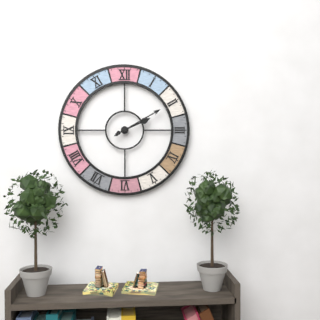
2:10
